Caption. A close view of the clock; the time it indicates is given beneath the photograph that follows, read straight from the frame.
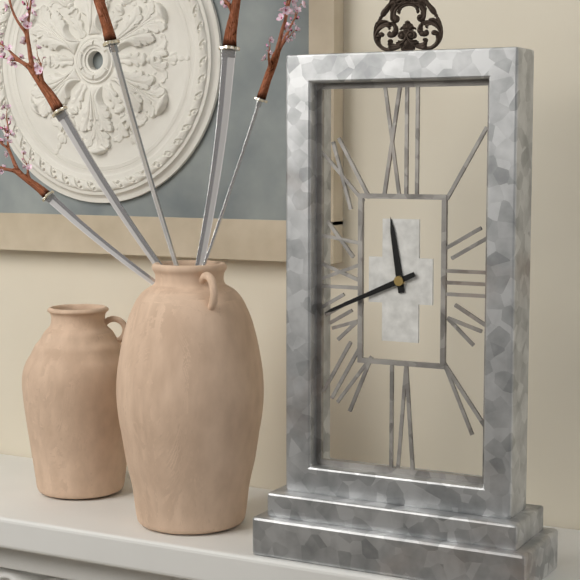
11:41
